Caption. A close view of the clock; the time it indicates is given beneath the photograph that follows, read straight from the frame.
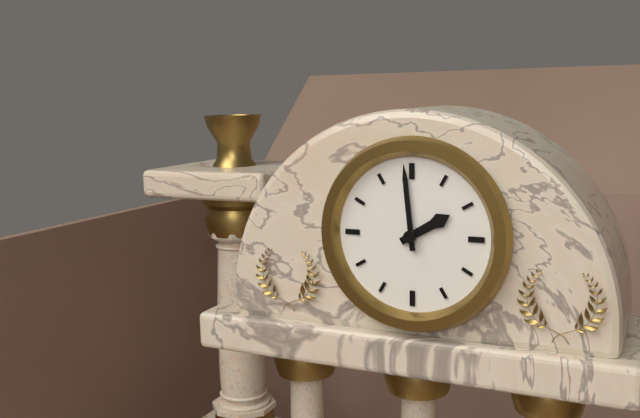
1:59
